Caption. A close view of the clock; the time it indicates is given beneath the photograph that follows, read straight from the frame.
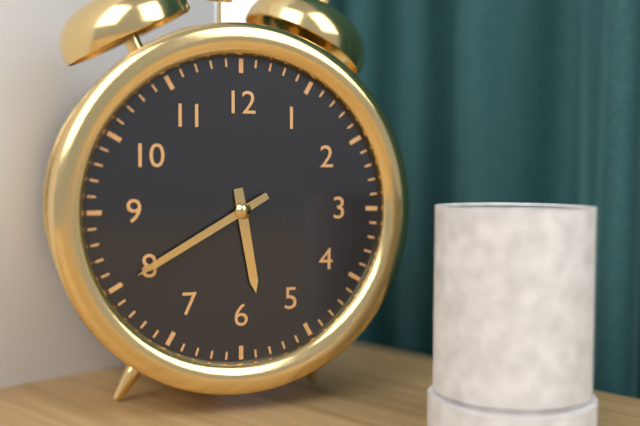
5:40
